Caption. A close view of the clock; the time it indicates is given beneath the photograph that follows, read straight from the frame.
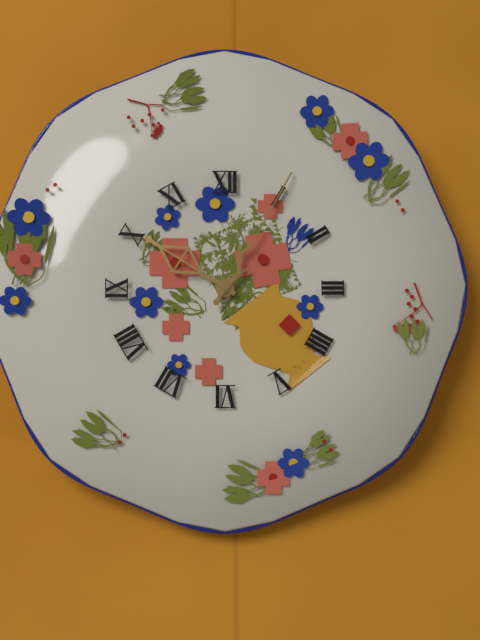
10:05
